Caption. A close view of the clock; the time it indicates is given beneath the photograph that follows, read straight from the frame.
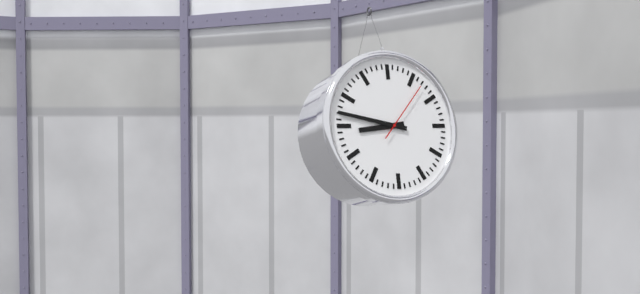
8:47:07
